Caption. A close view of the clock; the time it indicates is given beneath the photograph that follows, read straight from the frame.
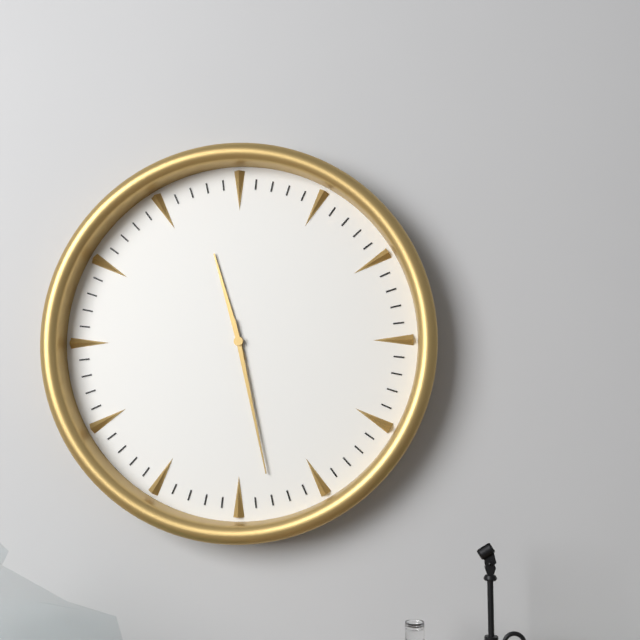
11:28
